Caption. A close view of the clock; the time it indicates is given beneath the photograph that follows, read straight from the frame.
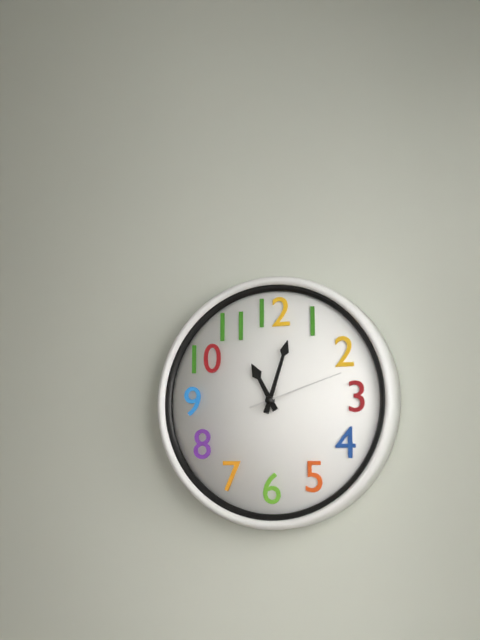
11:03:12
